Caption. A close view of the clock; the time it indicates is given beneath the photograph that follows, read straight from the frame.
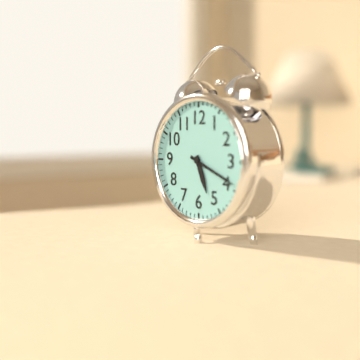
5:19
